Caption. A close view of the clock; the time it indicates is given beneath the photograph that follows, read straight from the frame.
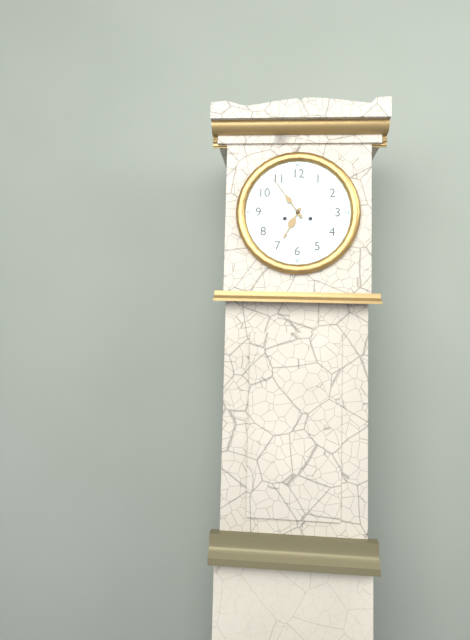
6:54
